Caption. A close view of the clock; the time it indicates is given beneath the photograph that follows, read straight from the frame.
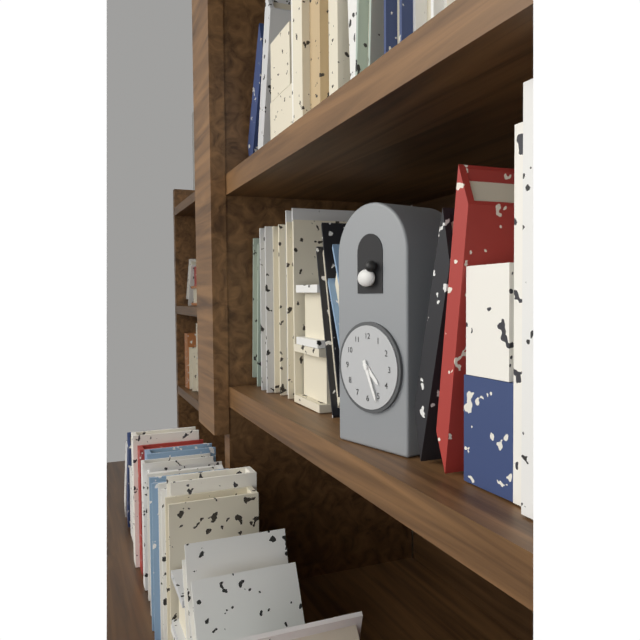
4:26
